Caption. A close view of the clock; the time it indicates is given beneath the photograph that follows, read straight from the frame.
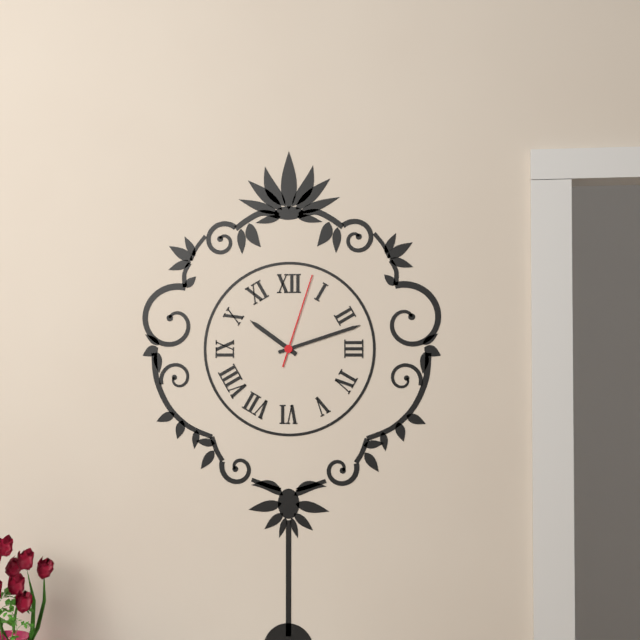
10:12:03
